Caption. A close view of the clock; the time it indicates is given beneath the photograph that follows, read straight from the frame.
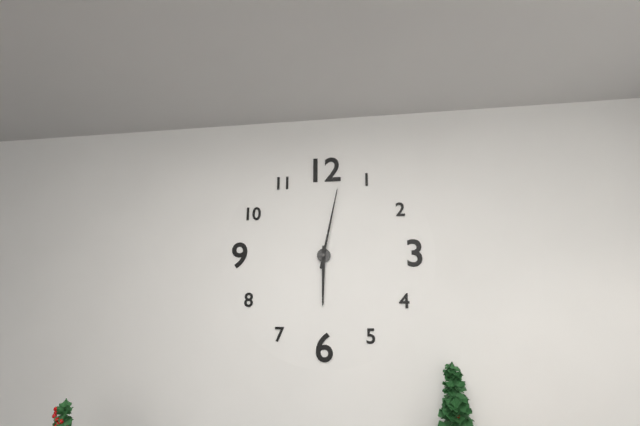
6:02
